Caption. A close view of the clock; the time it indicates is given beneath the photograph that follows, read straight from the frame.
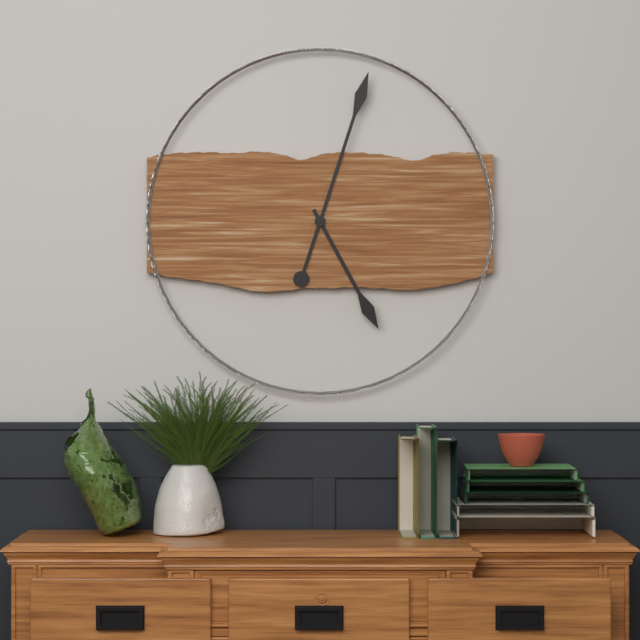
5:03
